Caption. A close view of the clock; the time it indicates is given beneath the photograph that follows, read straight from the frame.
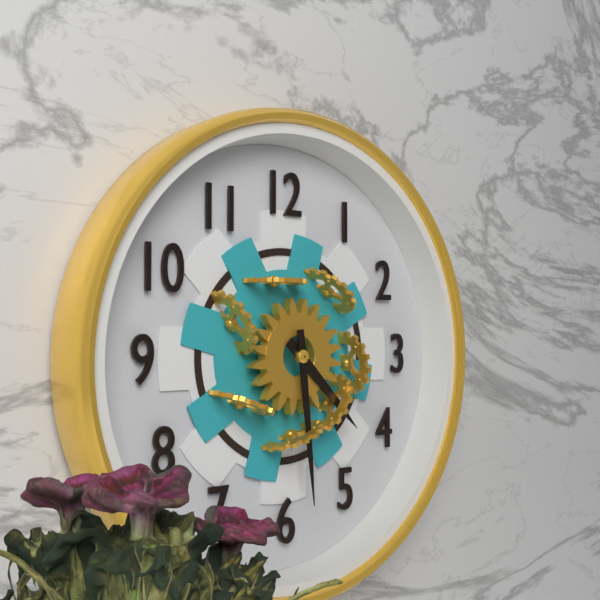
4:29
